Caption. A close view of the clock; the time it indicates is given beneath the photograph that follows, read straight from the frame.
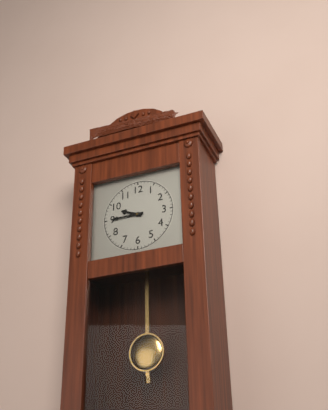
9:45
